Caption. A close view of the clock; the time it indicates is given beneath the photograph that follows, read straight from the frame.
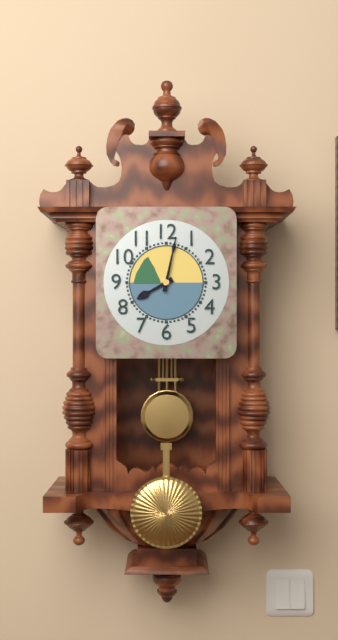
8:02
